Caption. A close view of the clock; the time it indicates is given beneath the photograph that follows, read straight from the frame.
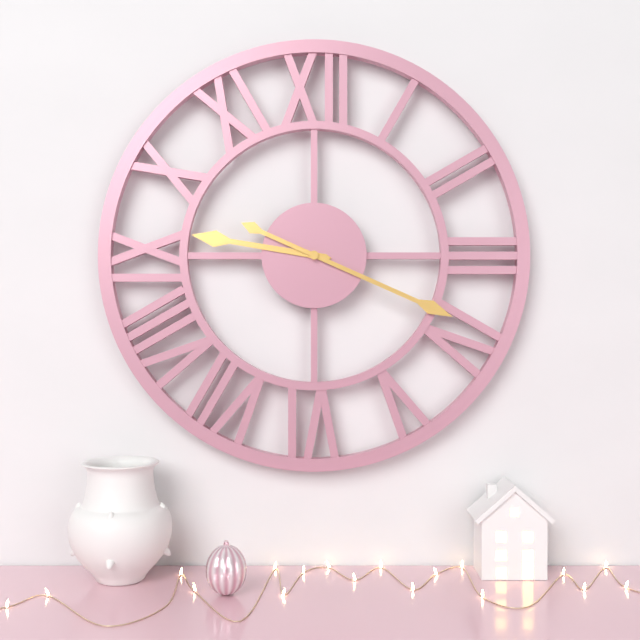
9:19
